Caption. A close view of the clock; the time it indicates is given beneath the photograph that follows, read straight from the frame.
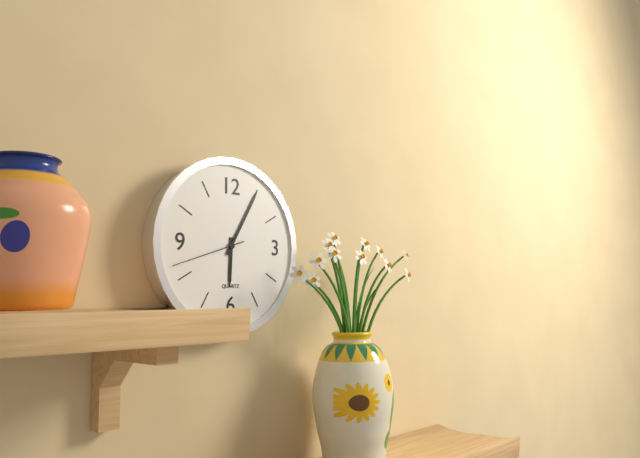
6:05:42
